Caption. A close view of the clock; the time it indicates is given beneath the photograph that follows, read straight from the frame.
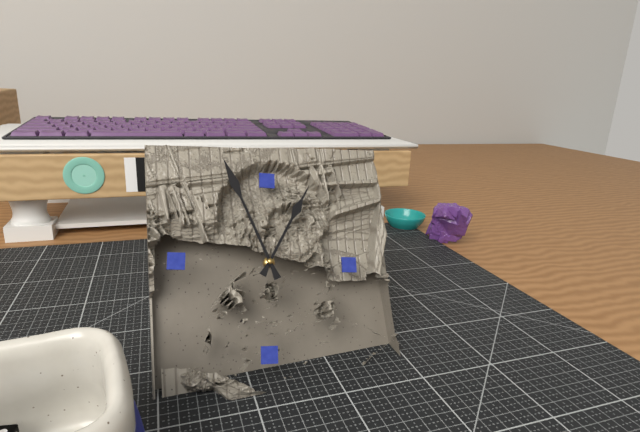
12:56
